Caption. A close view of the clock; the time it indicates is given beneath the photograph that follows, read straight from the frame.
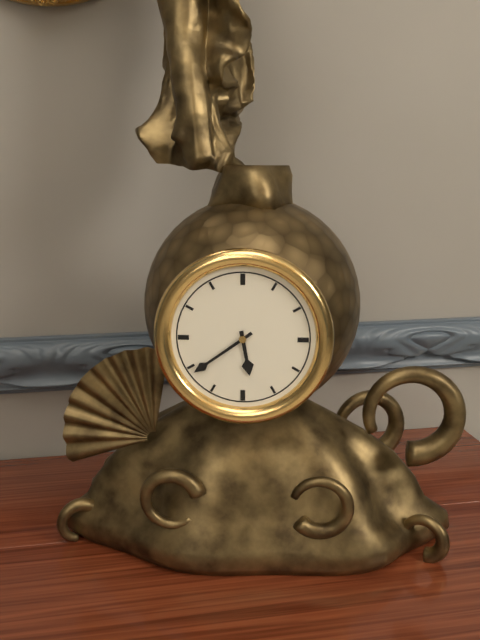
5:39
